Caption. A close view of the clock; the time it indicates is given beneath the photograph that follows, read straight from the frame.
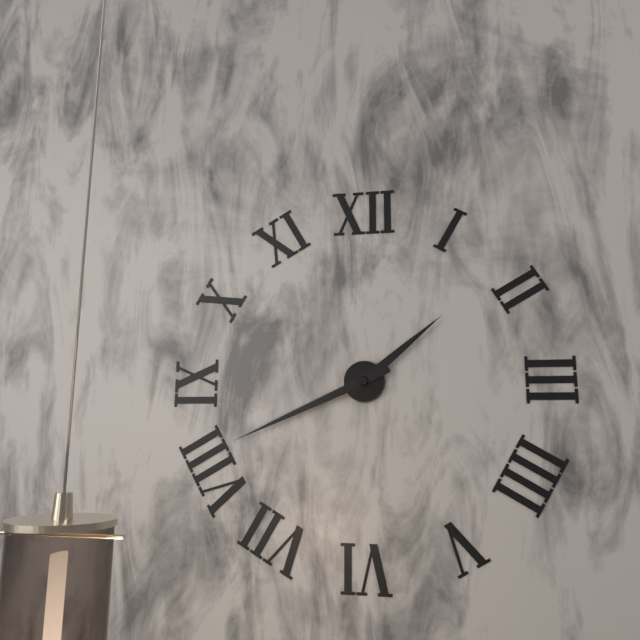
1:41
